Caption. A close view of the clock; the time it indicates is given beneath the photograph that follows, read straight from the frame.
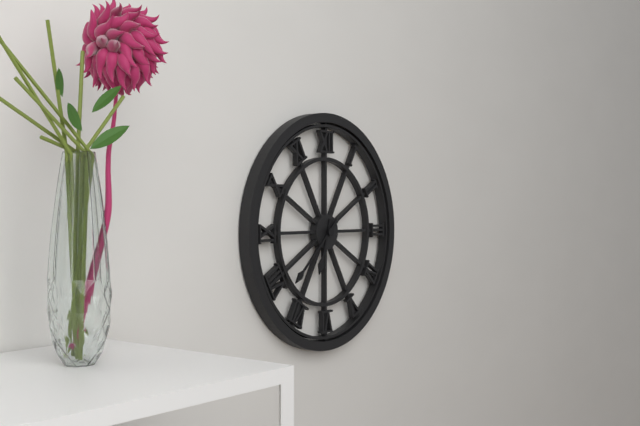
6:38
